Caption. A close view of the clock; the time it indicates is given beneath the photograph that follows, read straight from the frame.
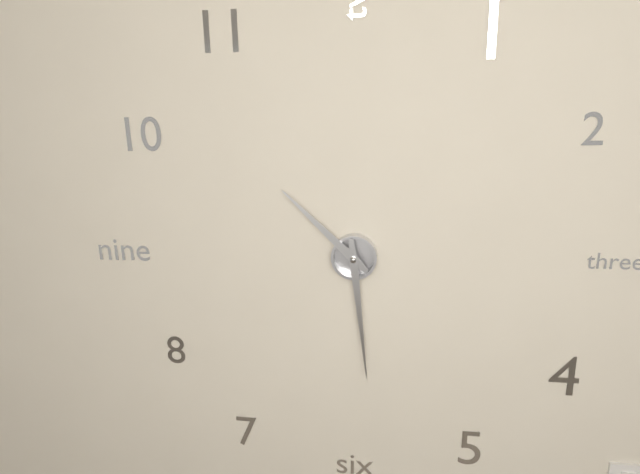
10:29
